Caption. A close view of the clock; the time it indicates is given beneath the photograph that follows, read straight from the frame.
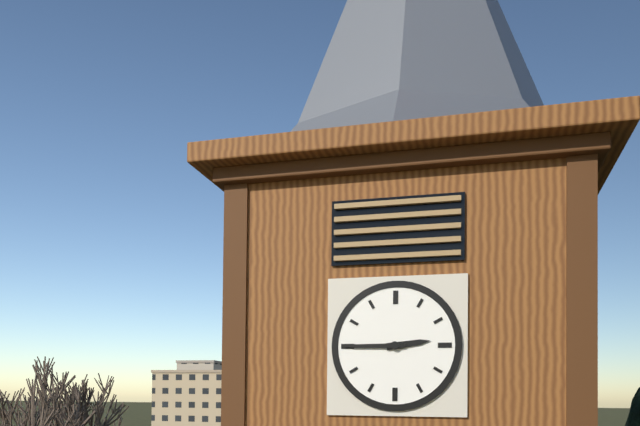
2:45
